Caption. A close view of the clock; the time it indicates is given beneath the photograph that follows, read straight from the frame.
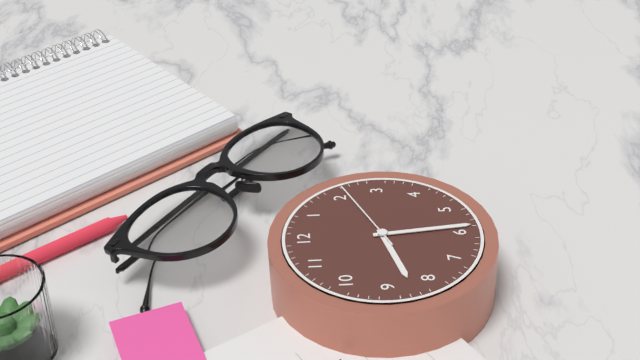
8:29:11
